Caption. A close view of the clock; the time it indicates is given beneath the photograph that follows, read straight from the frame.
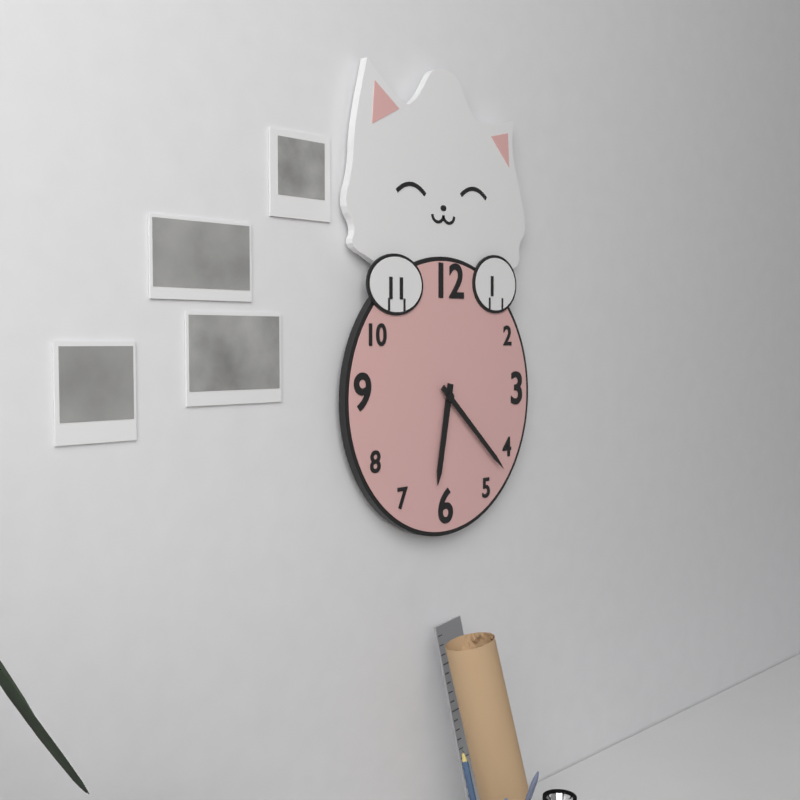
6:22
